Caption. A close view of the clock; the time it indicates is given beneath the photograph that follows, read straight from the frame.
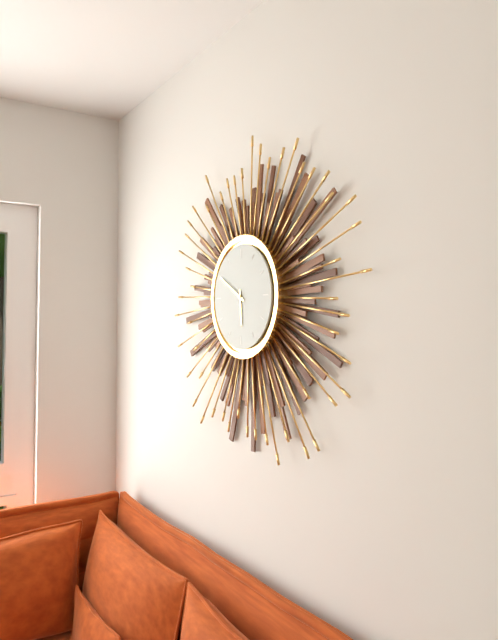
5:50
